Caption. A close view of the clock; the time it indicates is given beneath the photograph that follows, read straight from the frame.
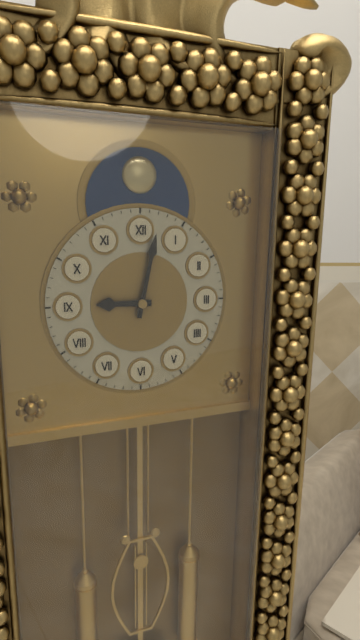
9:02
